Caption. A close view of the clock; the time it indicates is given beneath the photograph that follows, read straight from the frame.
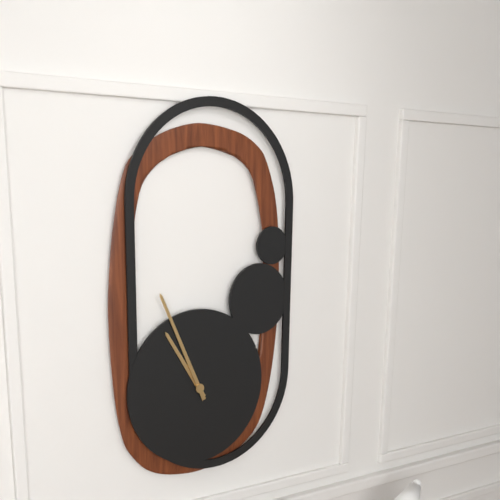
10:56
